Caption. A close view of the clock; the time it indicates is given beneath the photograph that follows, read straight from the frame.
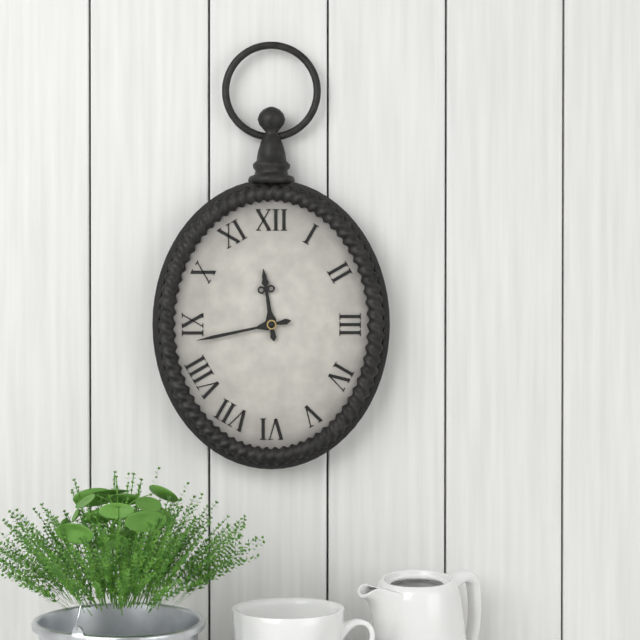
11:43
